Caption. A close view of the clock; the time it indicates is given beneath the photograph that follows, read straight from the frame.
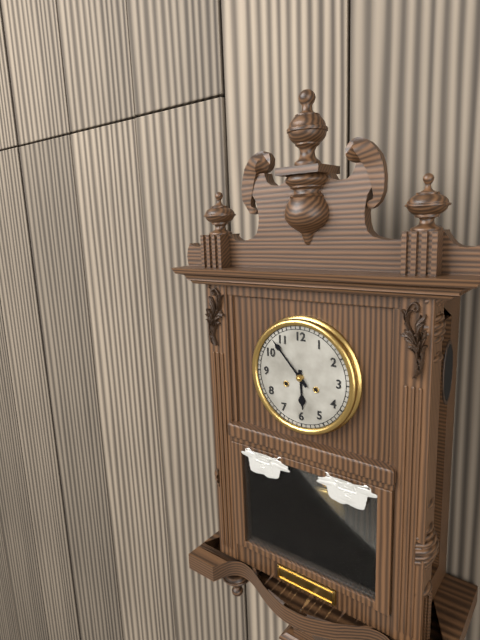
5:53
